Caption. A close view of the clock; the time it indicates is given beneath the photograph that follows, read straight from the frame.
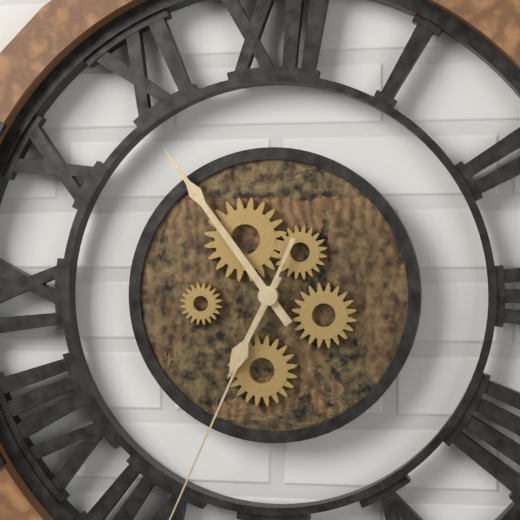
6:54
